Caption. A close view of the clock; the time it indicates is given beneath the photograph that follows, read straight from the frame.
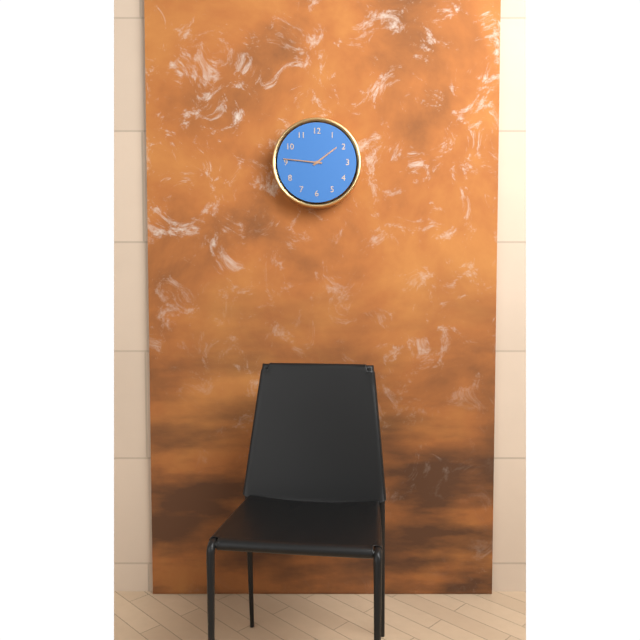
1:46
